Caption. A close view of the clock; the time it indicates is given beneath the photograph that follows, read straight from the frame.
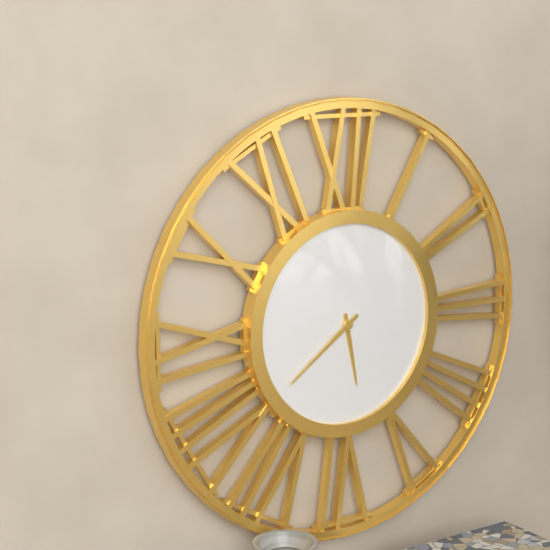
5:39
